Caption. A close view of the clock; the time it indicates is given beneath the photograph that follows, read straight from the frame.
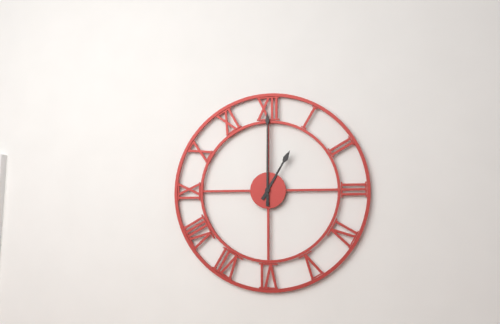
1:00
